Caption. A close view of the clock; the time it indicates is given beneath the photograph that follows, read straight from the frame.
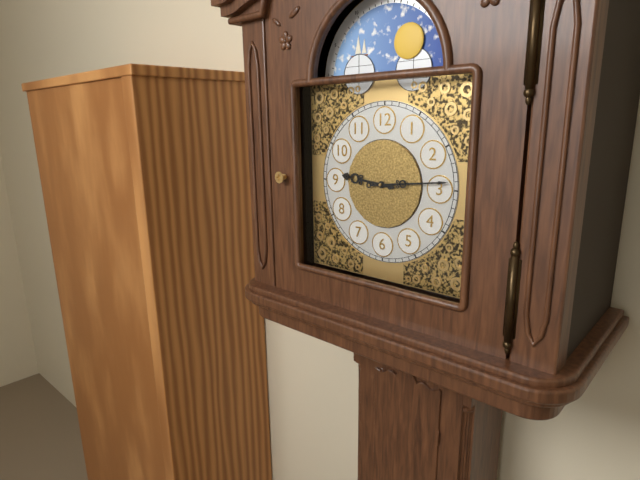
9:14
